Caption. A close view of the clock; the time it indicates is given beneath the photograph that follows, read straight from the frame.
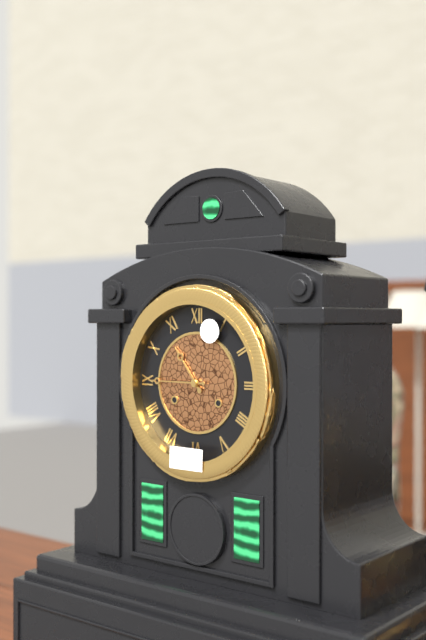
10:45
